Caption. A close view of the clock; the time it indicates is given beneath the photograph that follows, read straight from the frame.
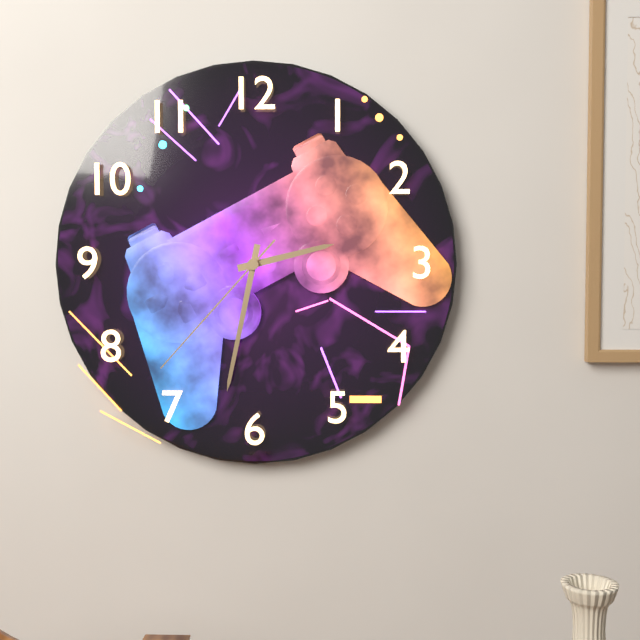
2:32:37
